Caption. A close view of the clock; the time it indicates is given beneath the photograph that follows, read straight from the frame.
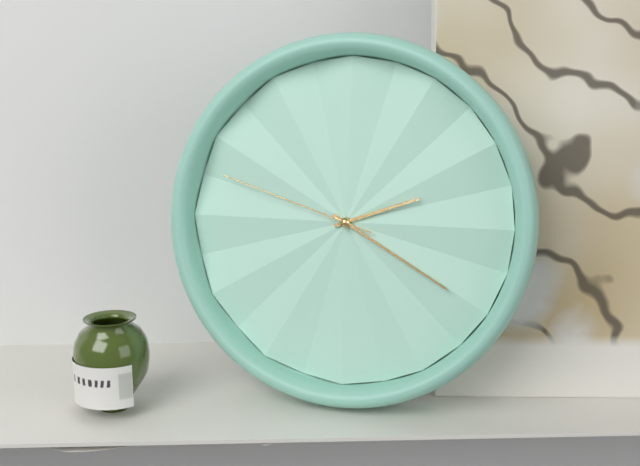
2:20:48
